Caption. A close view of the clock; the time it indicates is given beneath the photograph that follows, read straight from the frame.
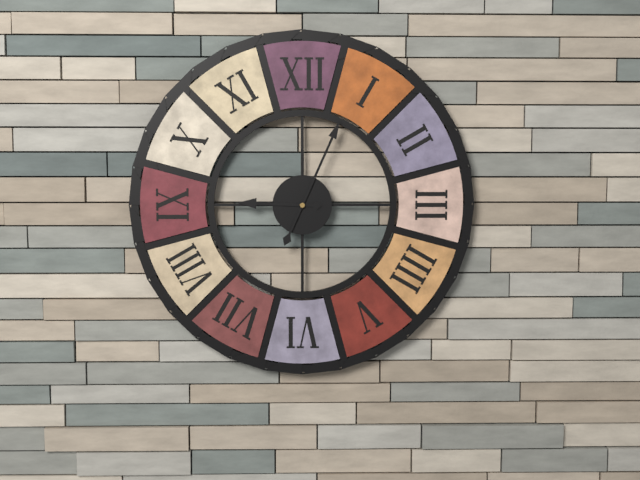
9:04
